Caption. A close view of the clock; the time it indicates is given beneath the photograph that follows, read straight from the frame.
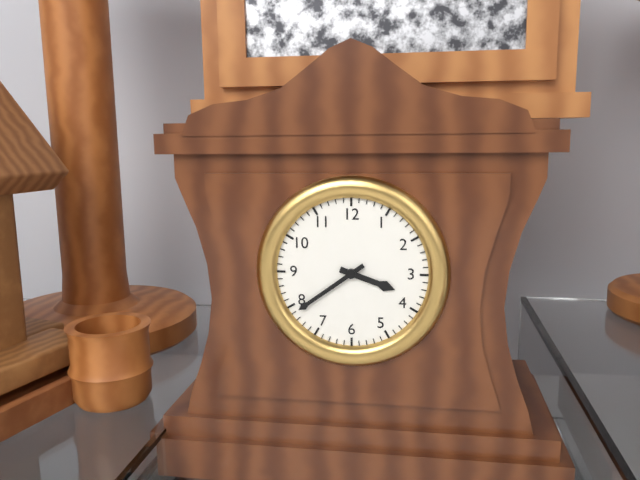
3:39
